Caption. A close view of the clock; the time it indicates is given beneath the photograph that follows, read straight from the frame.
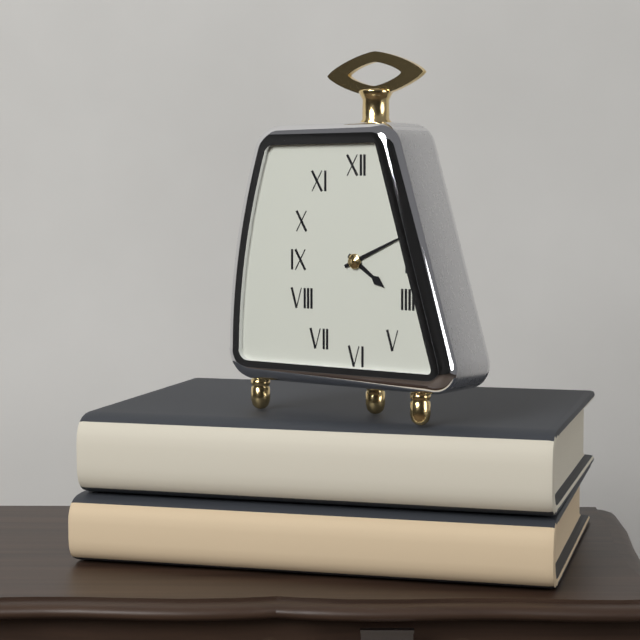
4:11
